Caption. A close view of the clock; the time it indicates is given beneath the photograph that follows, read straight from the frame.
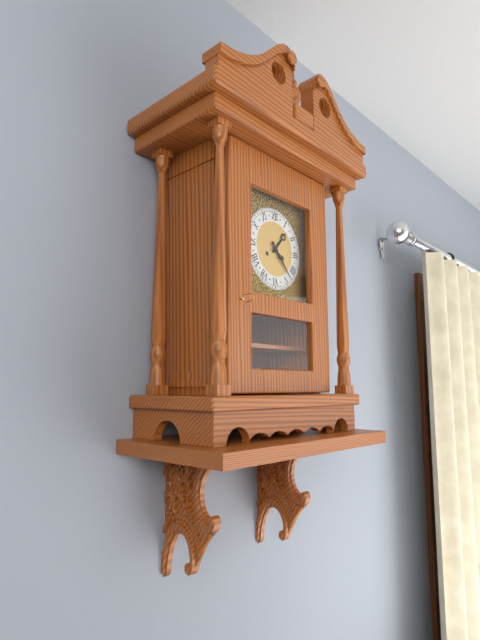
1:23
